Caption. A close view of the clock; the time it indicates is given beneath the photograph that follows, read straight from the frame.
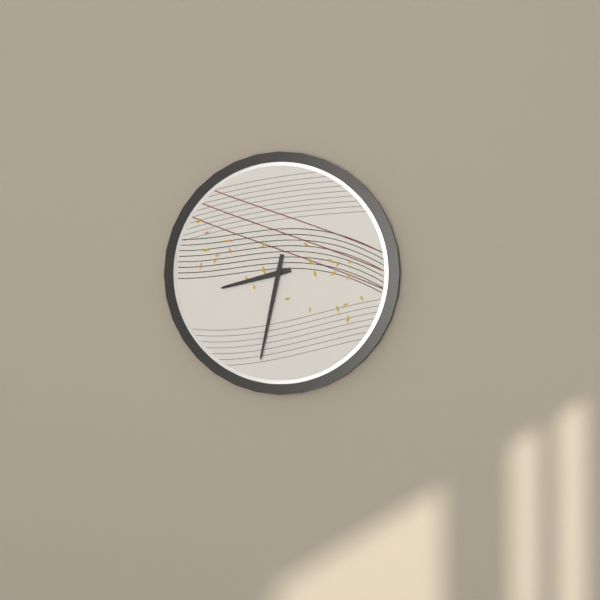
8:32
